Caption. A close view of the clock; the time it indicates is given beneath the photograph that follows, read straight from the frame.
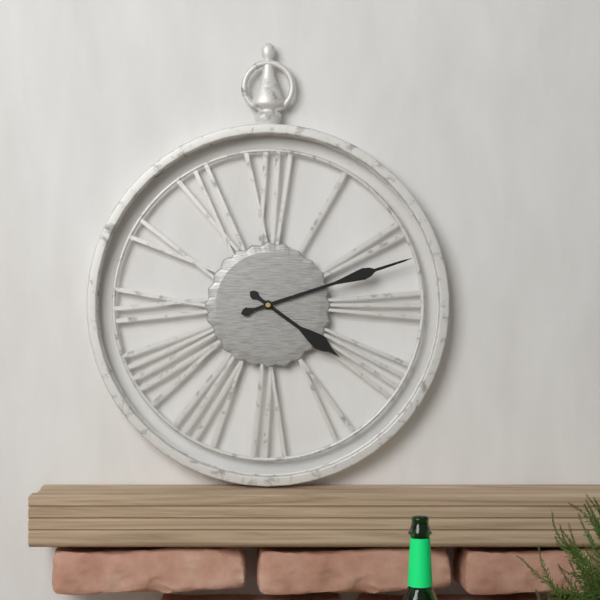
4:12
